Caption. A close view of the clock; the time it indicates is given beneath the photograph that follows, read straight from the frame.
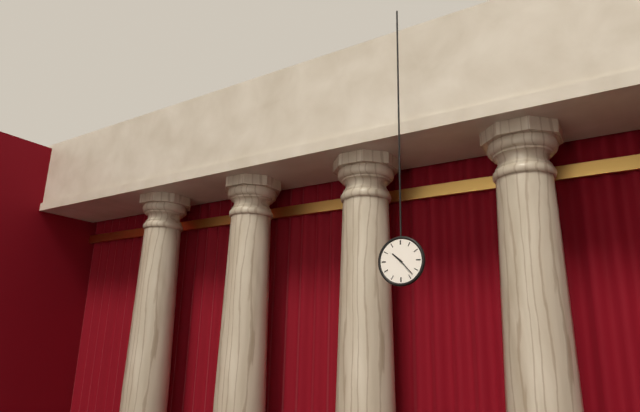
10:23
